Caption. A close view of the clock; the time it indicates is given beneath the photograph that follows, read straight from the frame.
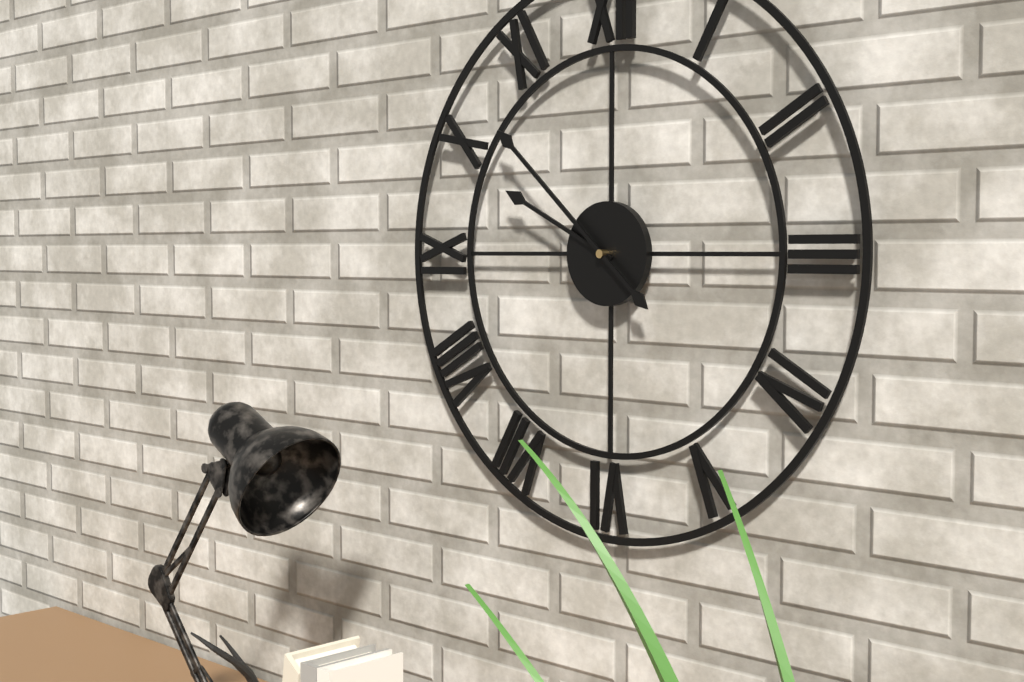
9:52
